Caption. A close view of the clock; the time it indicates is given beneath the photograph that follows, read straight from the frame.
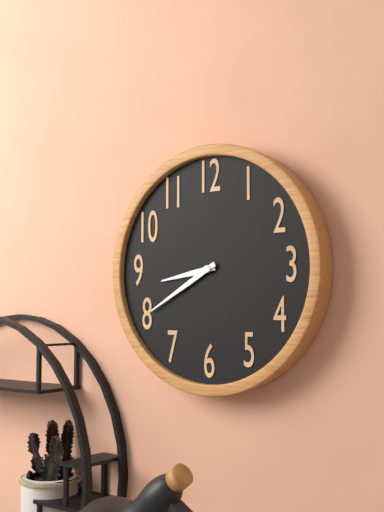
8:40
